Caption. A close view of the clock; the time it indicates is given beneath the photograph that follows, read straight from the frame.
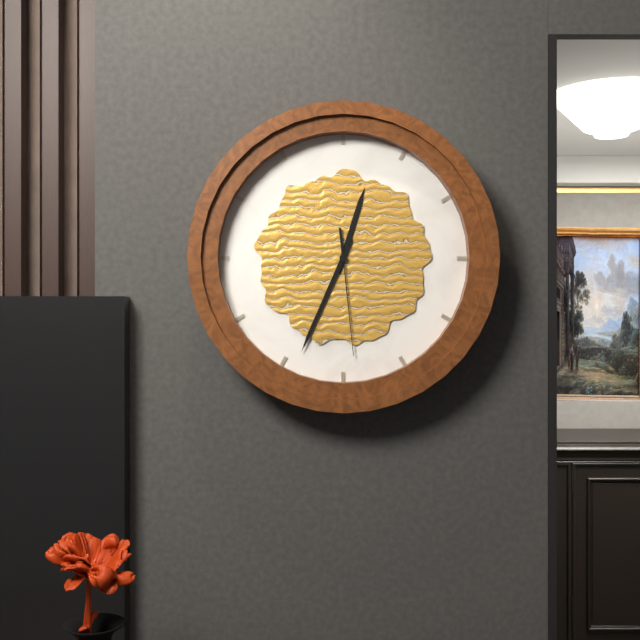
12:34:29
